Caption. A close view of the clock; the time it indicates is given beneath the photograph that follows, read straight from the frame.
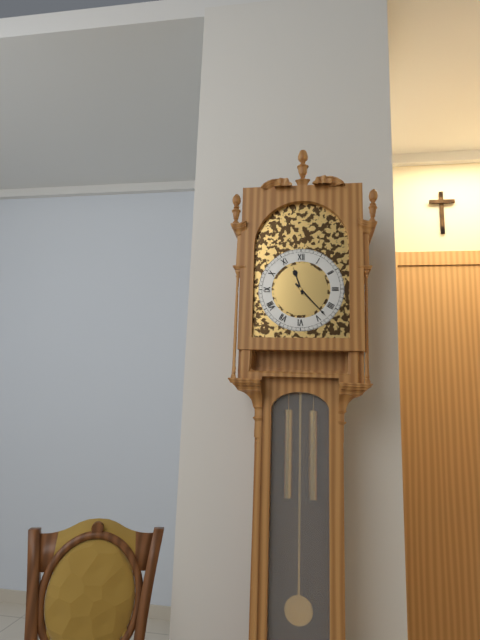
11:23
